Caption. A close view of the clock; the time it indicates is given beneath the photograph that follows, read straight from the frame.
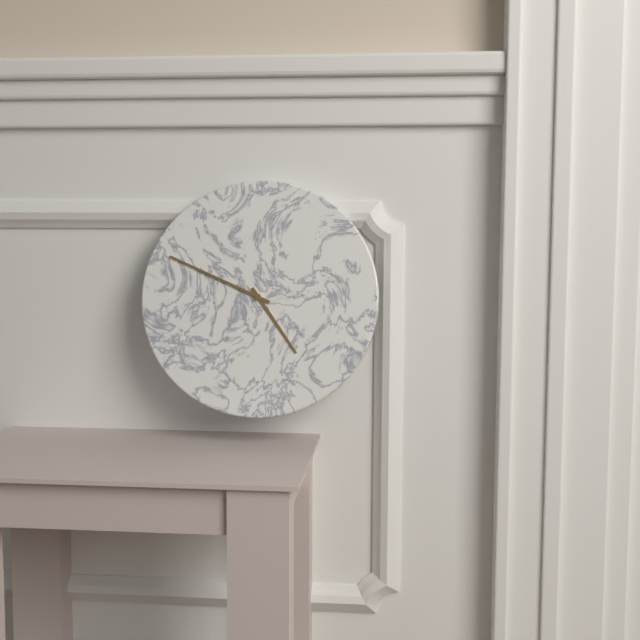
4:49
